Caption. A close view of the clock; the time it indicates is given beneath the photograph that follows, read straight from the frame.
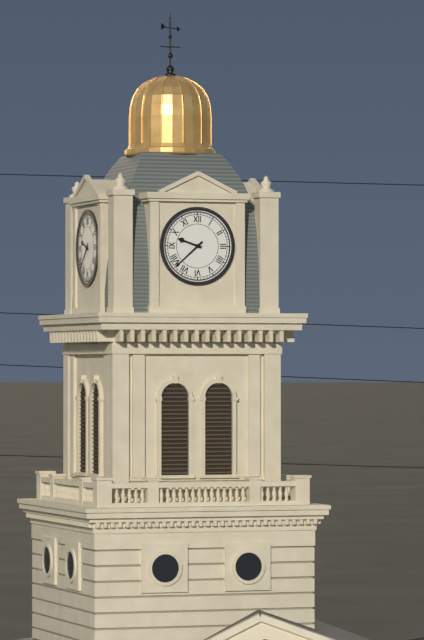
9:38
